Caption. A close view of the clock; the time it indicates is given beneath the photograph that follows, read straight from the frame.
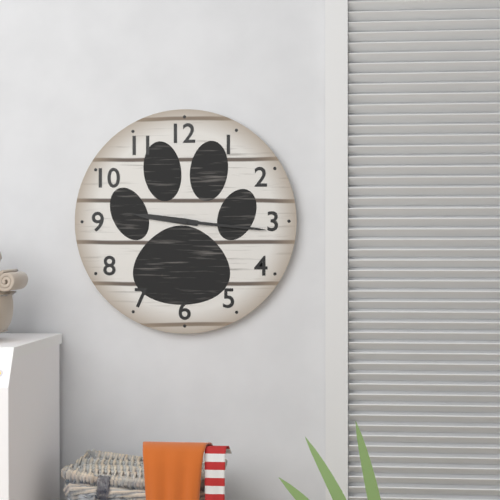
9:16
